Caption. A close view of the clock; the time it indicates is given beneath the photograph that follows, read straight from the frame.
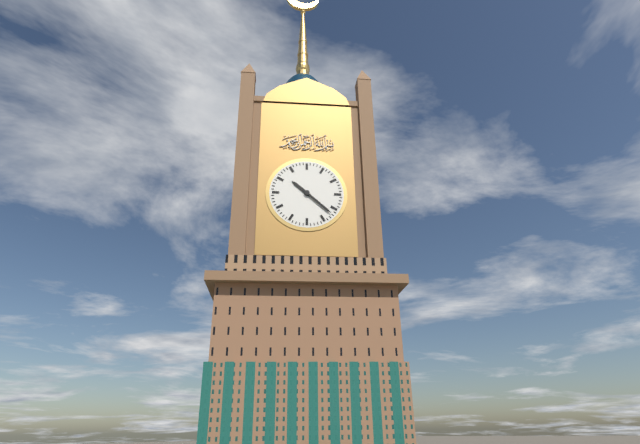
10:22
